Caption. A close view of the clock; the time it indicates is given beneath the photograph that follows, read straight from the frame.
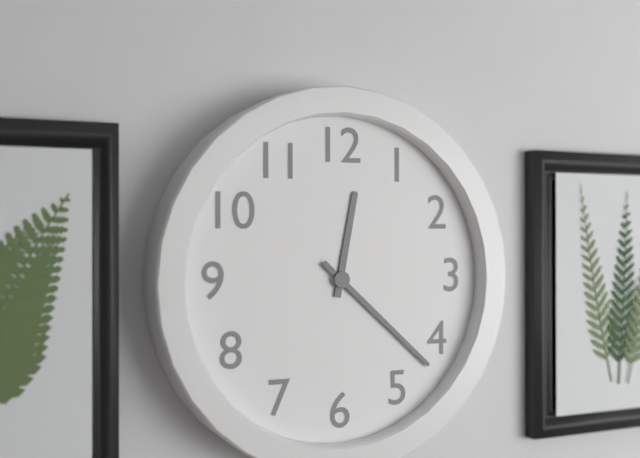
12:22
